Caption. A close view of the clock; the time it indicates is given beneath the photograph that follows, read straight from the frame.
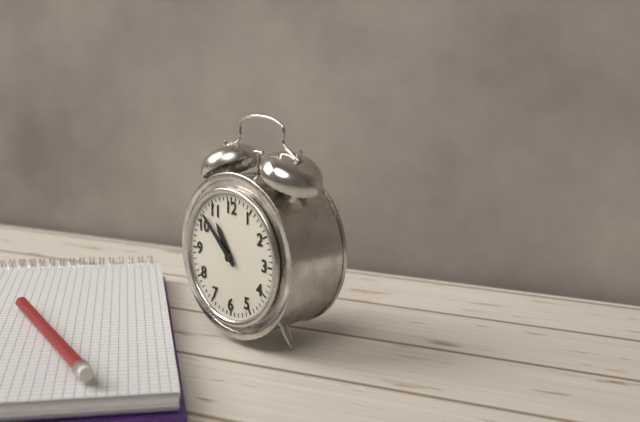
10:52
